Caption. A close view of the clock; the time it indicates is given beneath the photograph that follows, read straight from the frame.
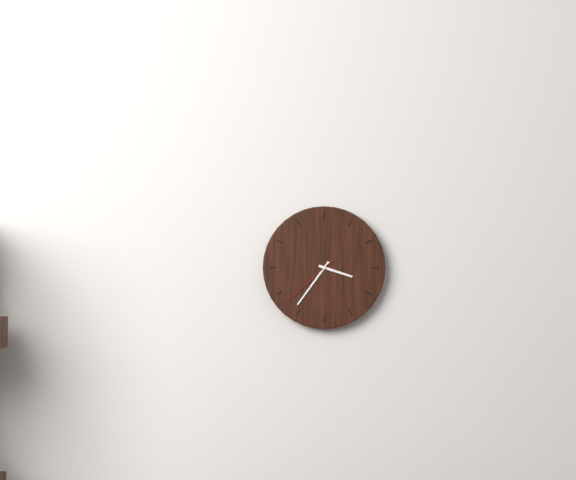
3:36:38
